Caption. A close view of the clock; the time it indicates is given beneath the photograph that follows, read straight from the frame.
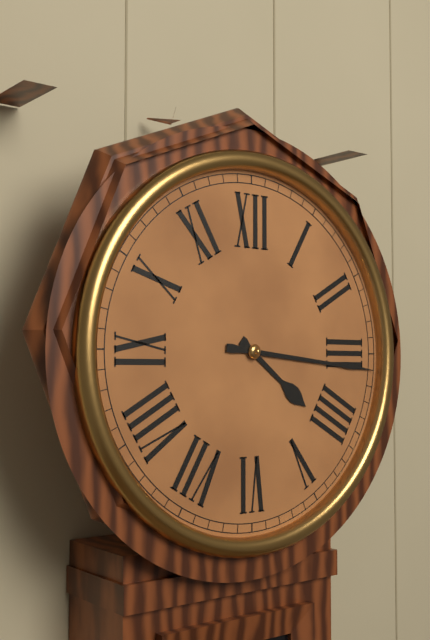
4:16
